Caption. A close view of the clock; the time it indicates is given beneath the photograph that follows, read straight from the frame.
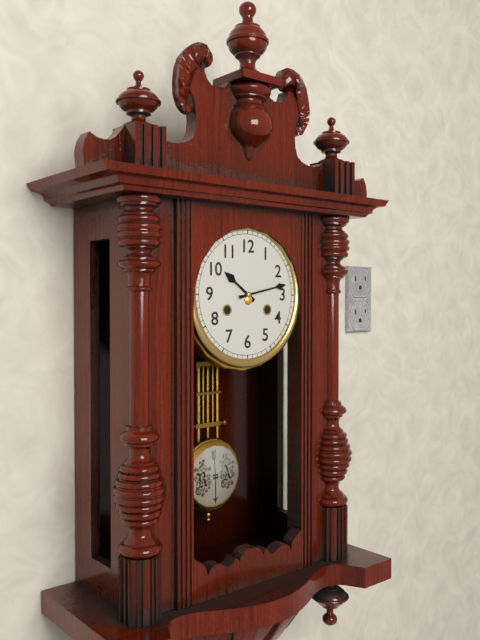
10:13
